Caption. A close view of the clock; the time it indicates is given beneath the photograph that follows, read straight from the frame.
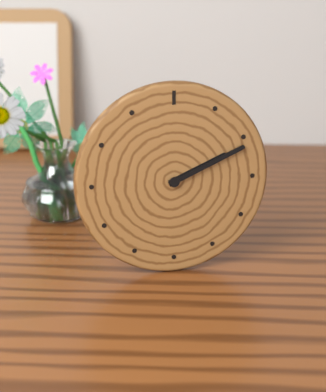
2:11
